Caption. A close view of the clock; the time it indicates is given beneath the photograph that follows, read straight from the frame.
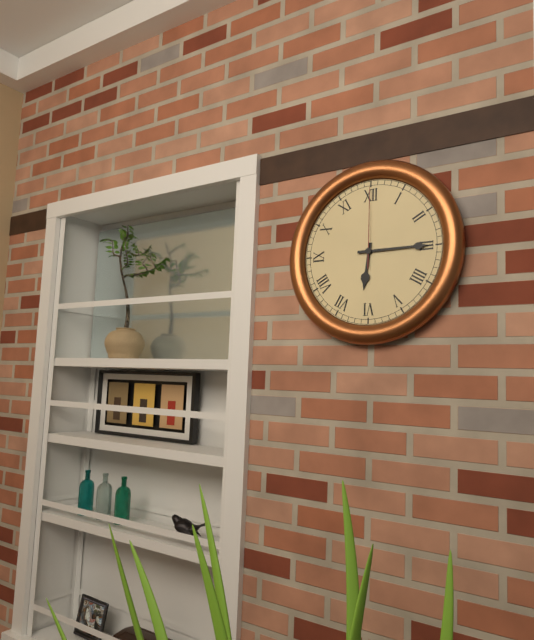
6:15:00
